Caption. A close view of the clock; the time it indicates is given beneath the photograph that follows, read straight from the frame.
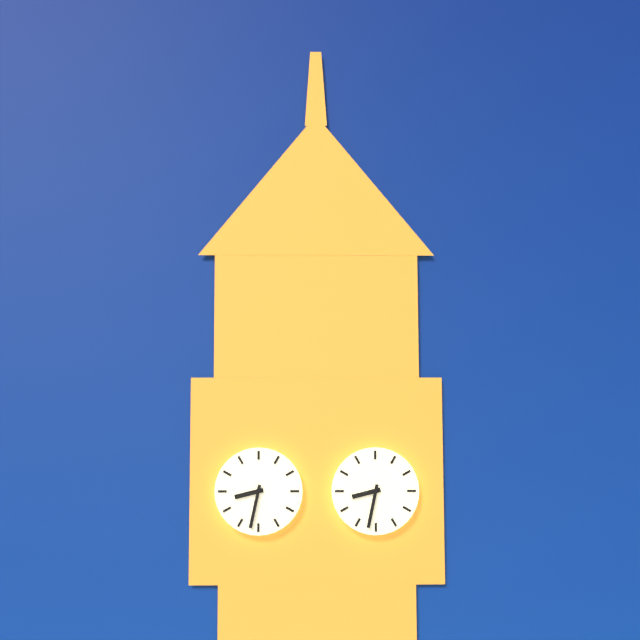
8:32
